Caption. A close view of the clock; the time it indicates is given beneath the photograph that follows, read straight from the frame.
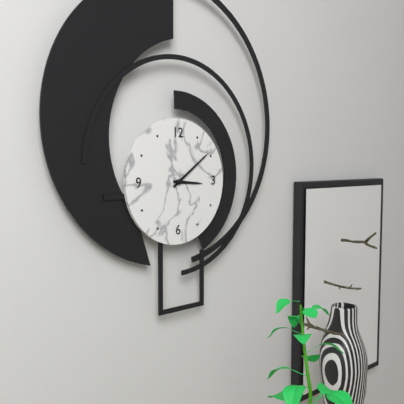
3:09
